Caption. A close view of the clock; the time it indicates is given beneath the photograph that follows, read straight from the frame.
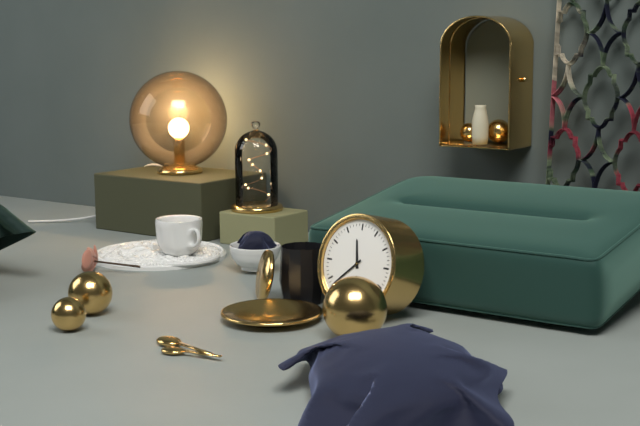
11:38
